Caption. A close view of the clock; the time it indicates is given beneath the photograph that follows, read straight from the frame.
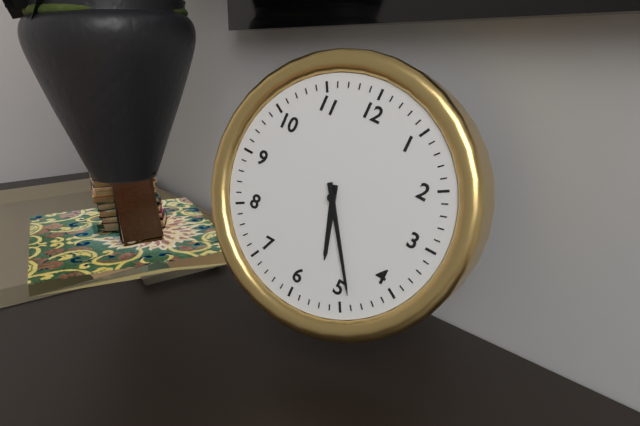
5:24
